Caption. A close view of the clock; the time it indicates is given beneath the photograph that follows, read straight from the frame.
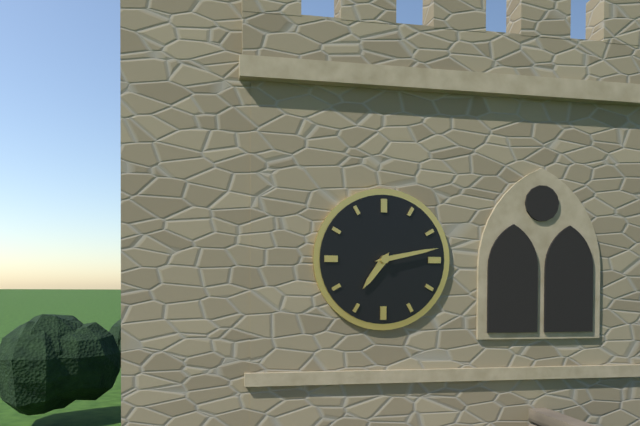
7:13
